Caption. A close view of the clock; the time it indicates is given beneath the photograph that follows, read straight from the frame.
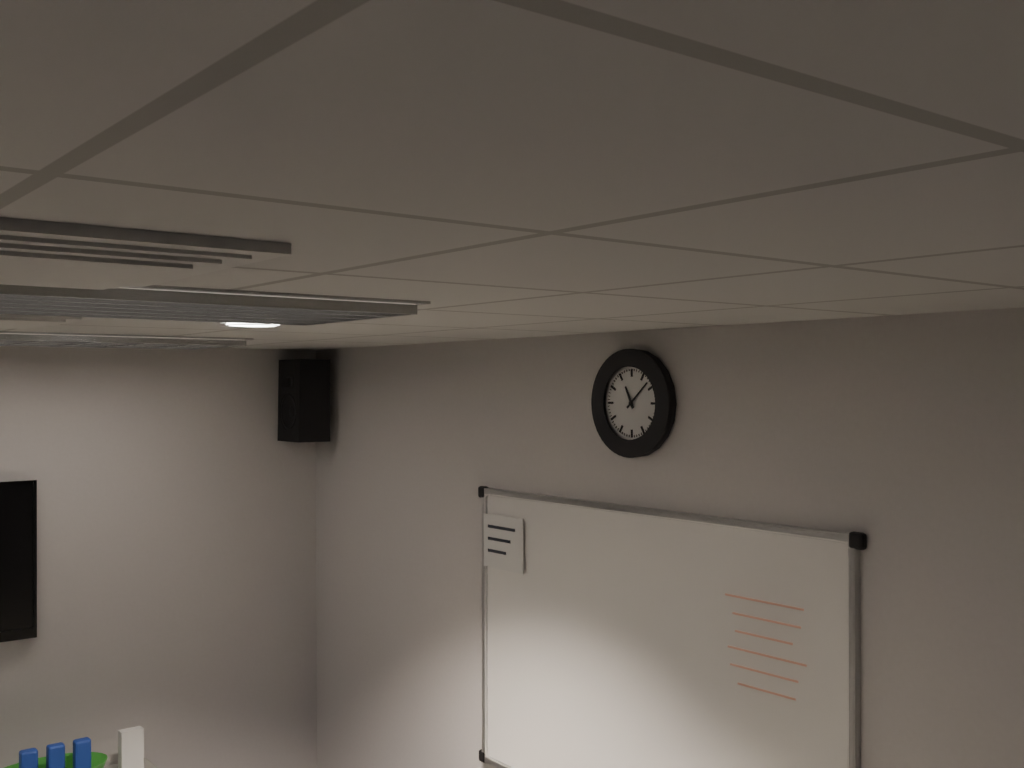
11:08
